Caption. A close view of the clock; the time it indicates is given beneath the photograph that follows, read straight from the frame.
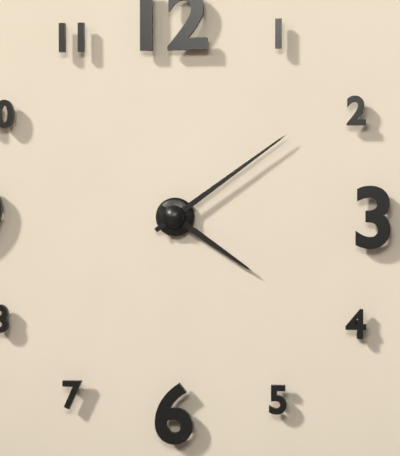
4:09
